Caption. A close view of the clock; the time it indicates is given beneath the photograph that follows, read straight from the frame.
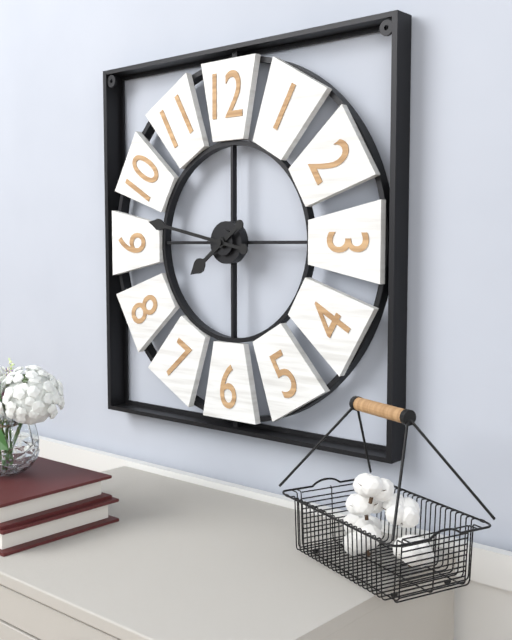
7:47
